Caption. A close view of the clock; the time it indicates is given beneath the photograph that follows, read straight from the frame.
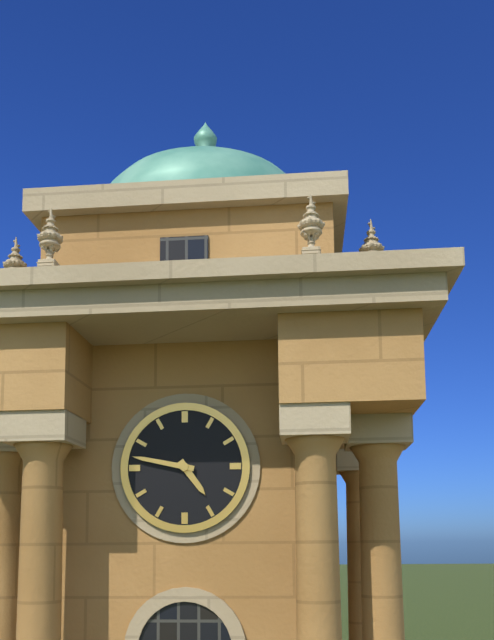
4:47
